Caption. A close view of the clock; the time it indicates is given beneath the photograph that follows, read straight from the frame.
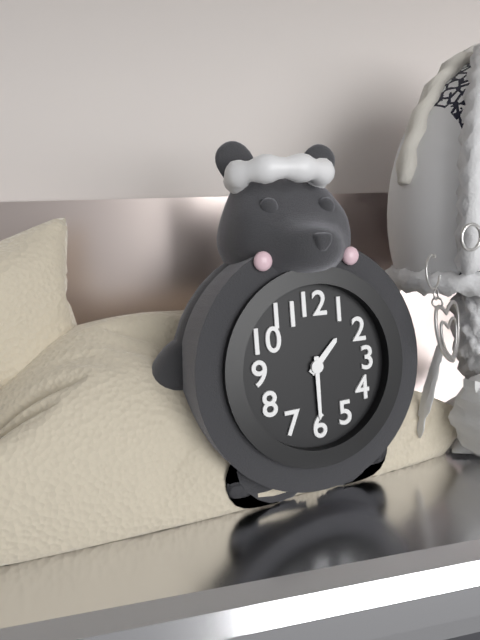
1:30
